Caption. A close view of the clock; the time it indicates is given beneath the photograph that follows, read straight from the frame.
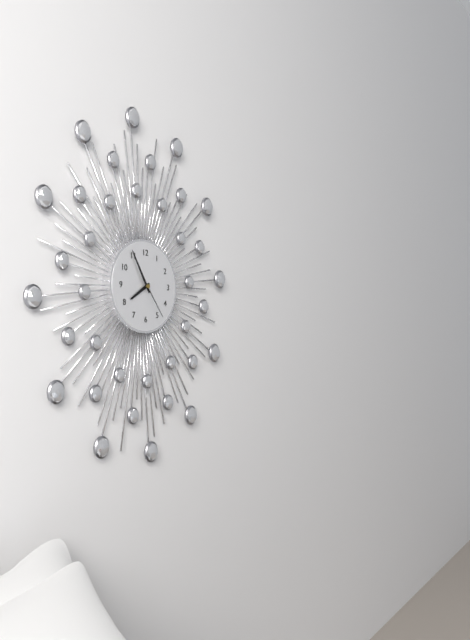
7:55
